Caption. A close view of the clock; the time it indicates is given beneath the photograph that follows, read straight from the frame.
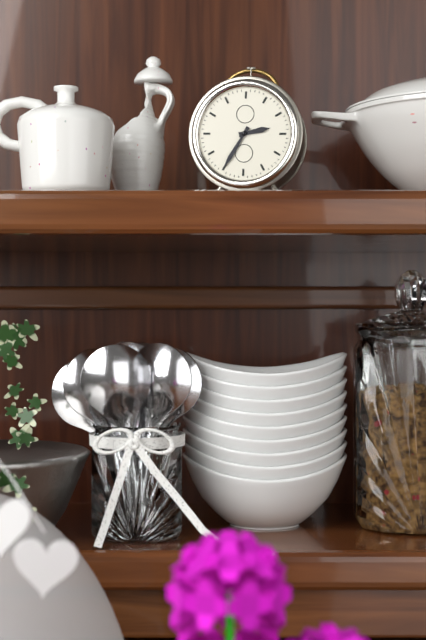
2:35
